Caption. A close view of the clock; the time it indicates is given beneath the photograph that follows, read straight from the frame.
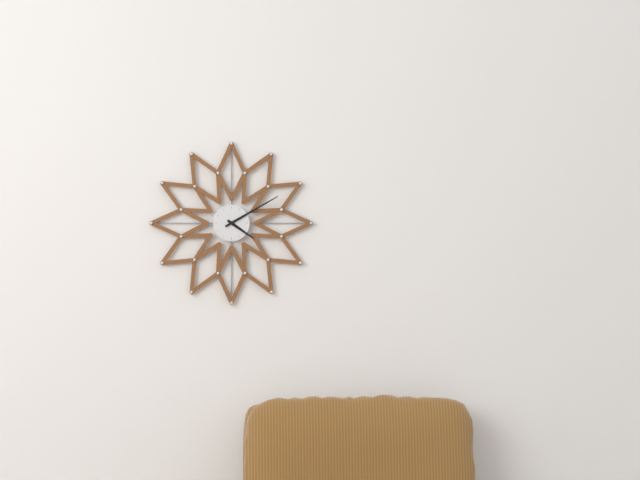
4:10
